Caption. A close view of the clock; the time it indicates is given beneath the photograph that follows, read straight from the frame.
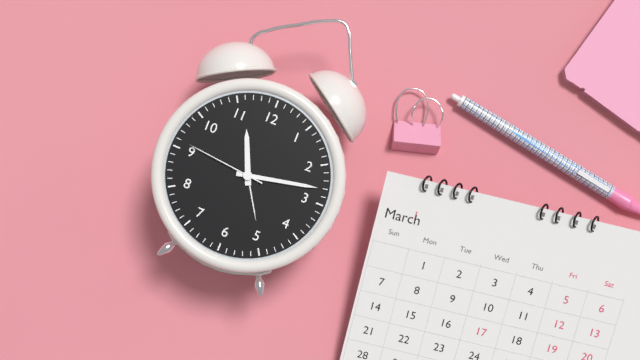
11:13:46
